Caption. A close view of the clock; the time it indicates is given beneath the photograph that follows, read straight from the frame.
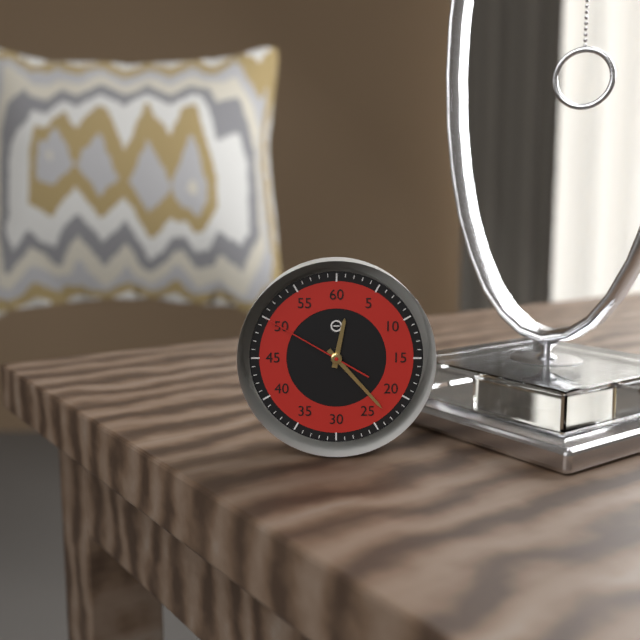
12:23:50
